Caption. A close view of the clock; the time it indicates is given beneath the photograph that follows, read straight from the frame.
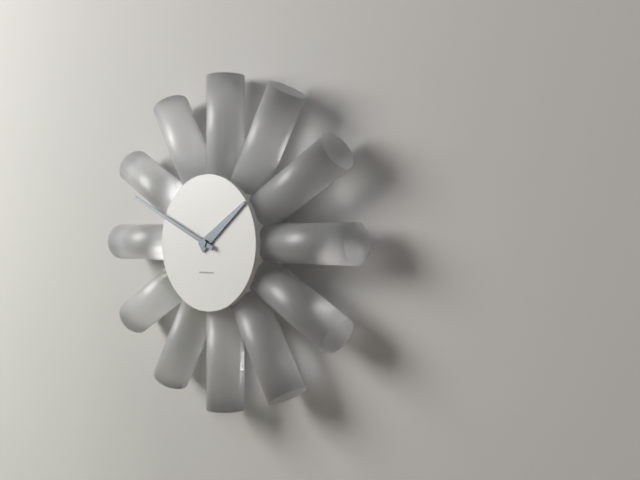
1:49
